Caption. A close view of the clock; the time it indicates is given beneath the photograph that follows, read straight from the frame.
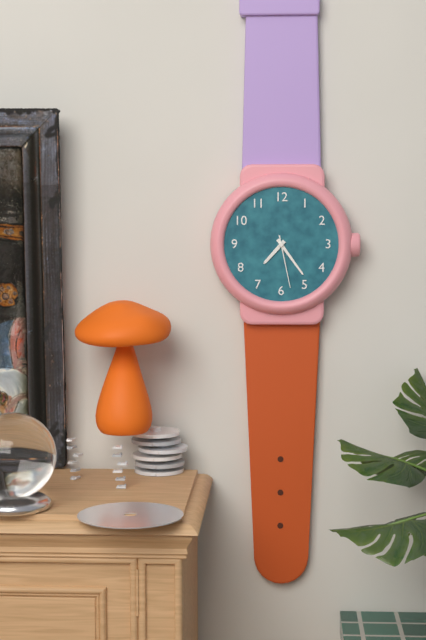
7:24:28
